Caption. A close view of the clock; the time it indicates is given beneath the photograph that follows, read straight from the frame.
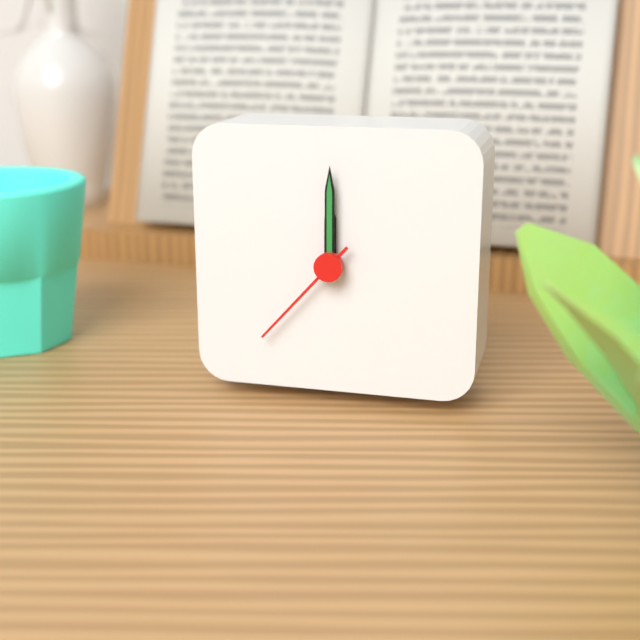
12:00:37
